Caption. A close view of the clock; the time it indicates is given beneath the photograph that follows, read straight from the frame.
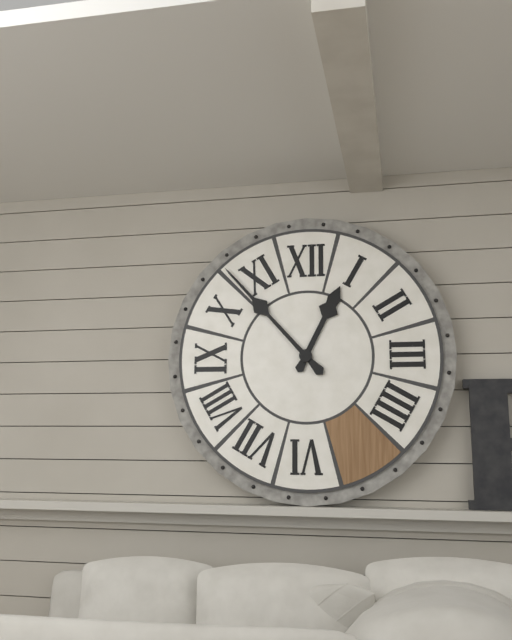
12:53
